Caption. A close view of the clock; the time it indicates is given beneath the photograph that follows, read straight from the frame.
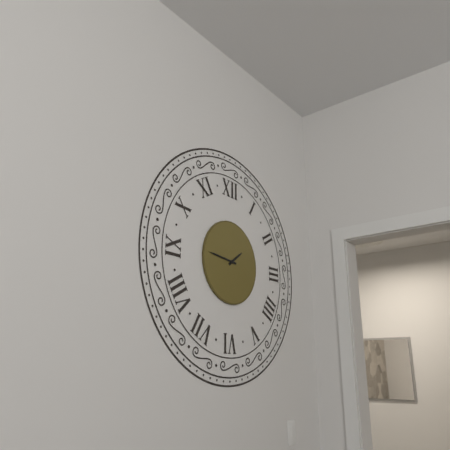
1:46
